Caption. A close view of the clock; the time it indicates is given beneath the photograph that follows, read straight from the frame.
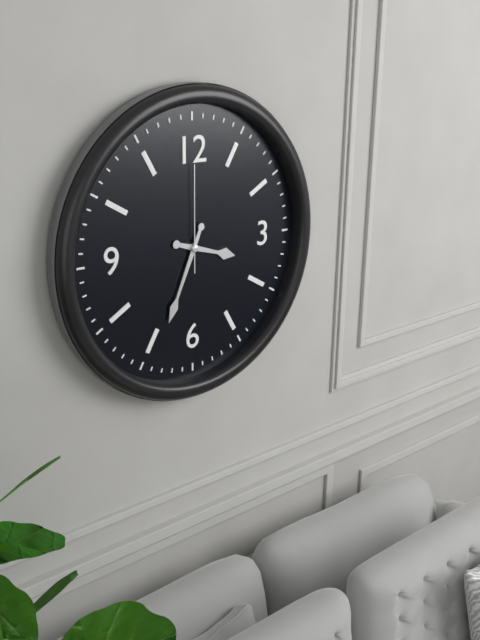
3:34:00
